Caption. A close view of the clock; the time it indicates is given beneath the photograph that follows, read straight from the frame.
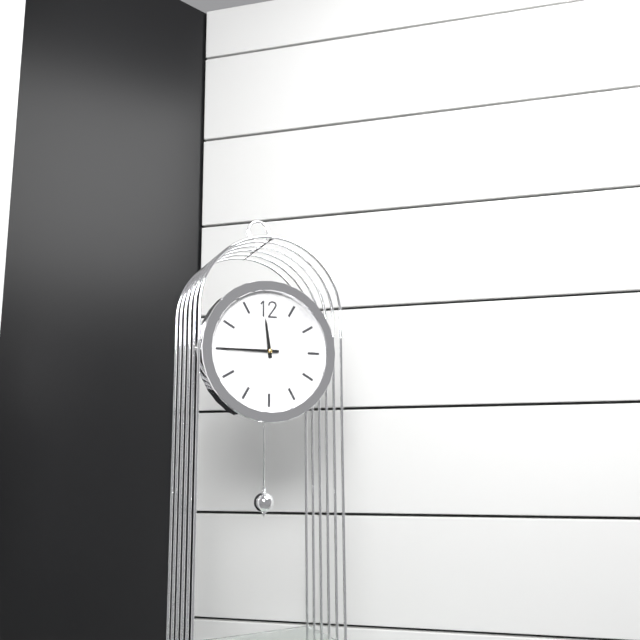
11:45
